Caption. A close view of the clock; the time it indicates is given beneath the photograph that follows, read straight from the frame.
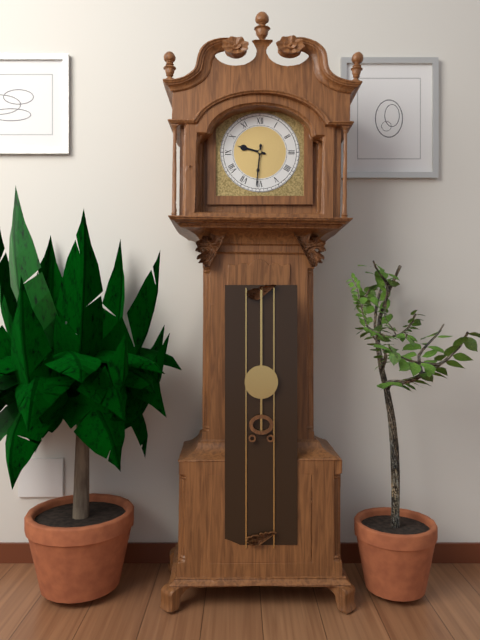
9:31
